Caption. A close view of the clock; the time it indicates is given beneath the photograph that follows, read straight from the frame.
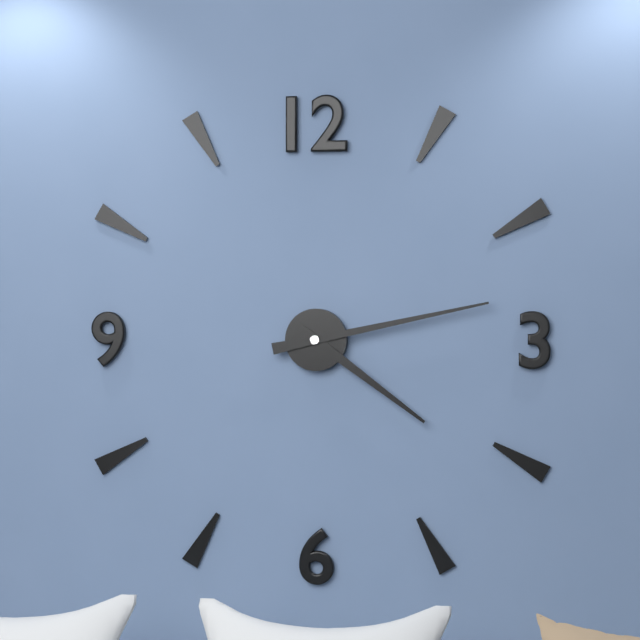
4:13
